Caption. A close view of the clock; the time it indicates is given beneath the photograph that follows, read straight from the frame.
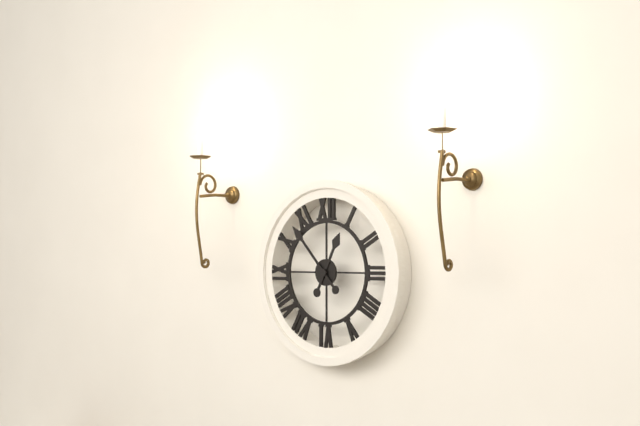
12:53
